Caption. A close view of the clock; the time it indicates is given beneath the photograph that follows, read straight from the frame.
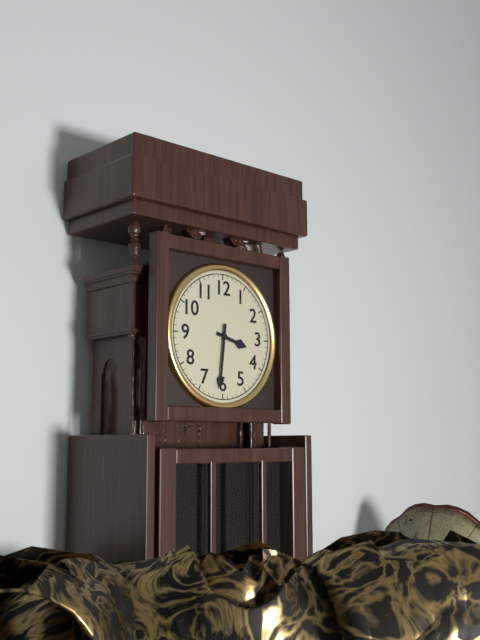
3:31
